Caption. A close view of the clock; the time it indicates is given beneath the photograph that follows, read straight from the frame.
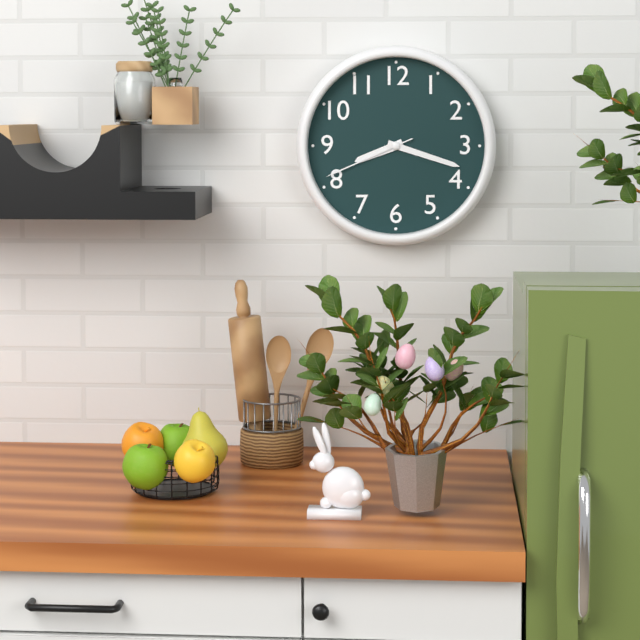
8:18:41
